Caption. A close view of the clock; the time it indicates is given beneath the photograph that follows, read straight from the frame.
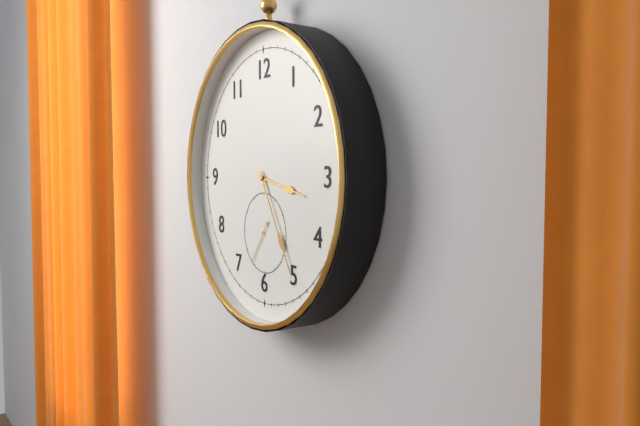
3:25
